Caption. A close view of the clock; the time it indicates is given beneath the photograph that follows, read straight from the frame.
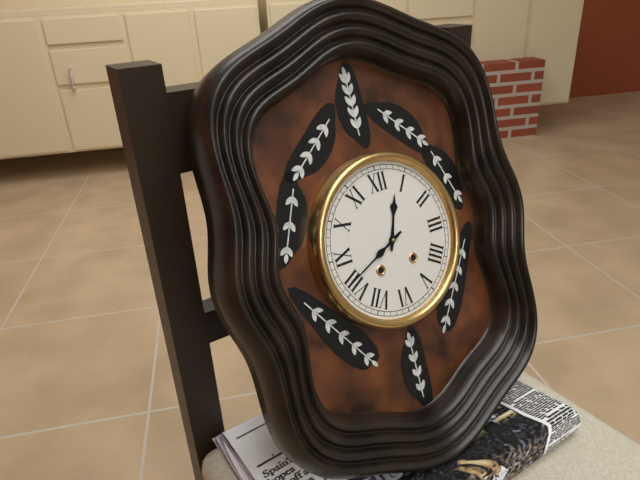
12:41
